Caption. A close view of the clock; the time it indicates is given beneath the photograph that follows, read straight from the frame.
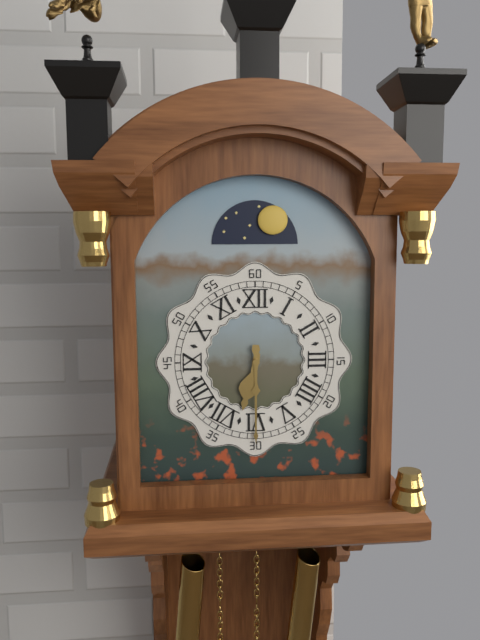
6:30
